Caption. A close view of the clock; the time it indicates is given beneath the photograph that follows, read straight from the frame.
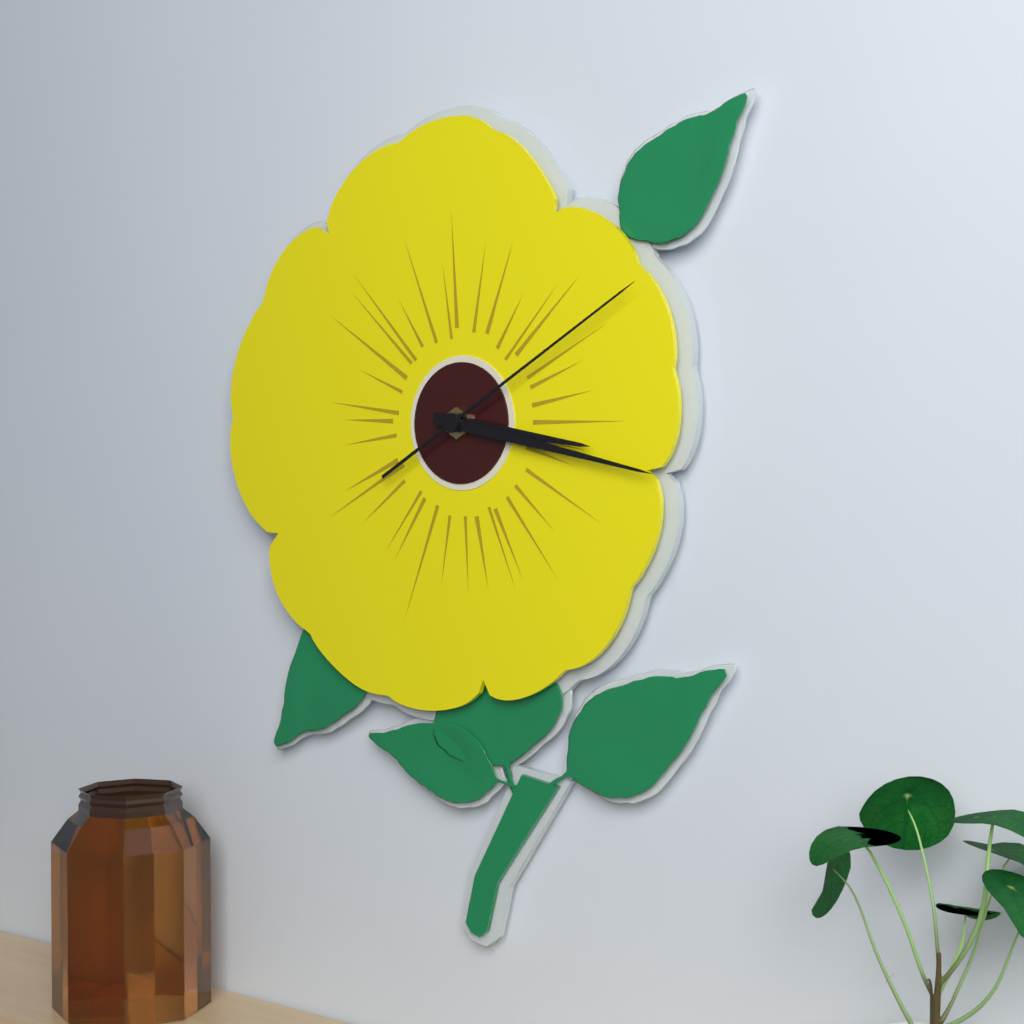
3:17:10
